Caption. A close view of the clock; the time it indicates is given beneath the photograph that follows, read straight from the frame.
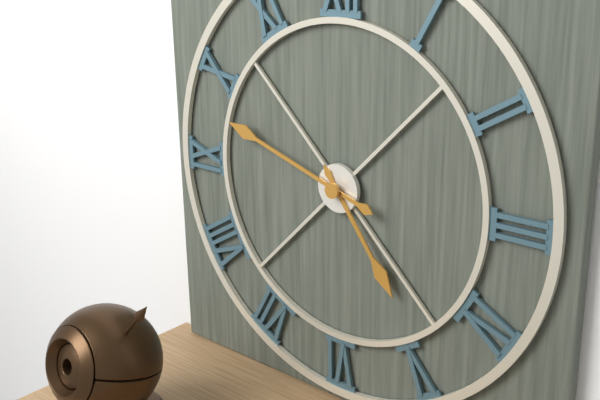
4:48
